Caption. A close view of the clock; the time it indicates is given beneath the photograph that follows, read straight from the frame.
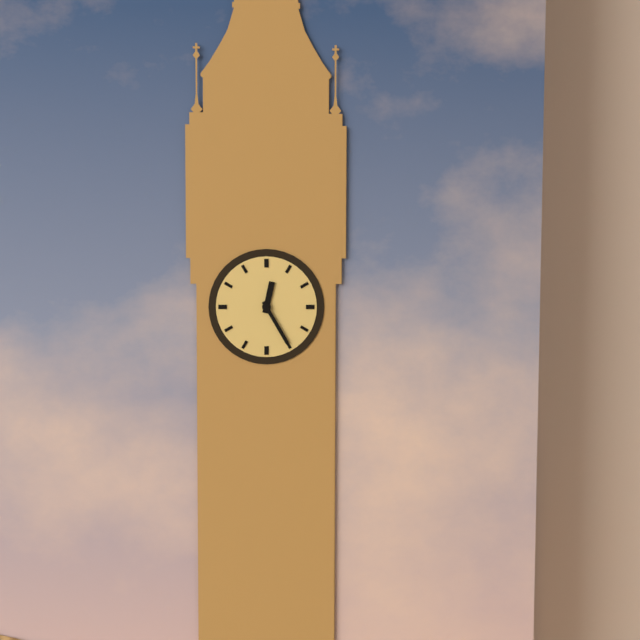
12:25
